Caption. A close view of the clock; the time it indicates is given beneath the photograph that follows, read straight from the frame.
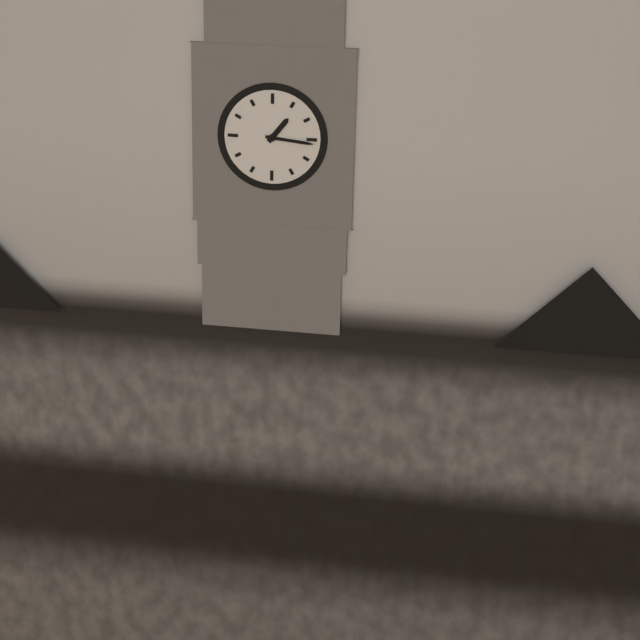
1:16
